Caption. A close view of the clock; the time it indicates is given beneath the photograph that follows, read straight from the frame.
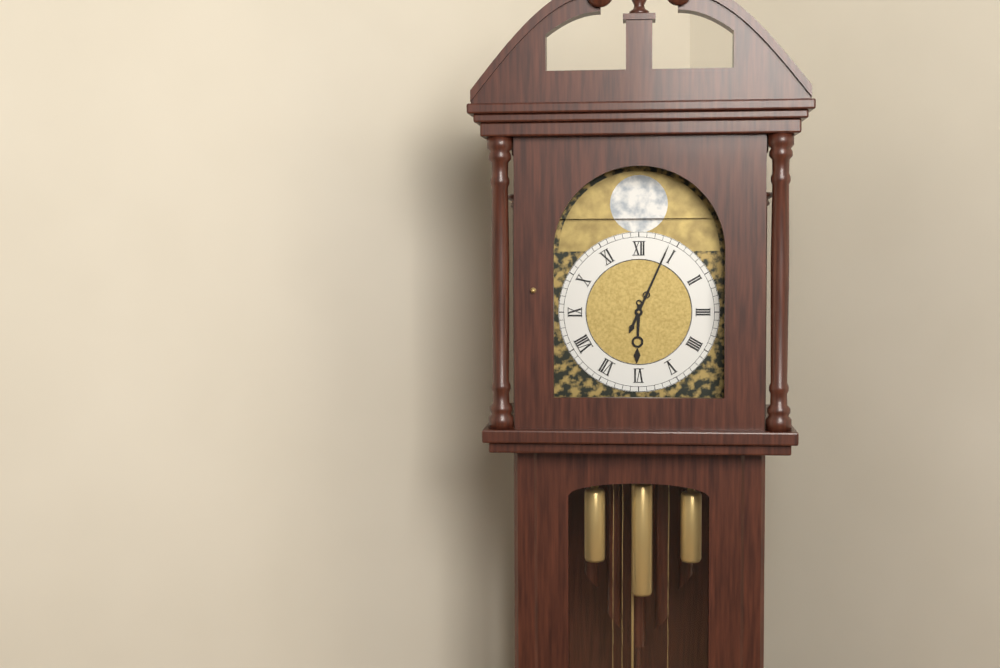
6:04
